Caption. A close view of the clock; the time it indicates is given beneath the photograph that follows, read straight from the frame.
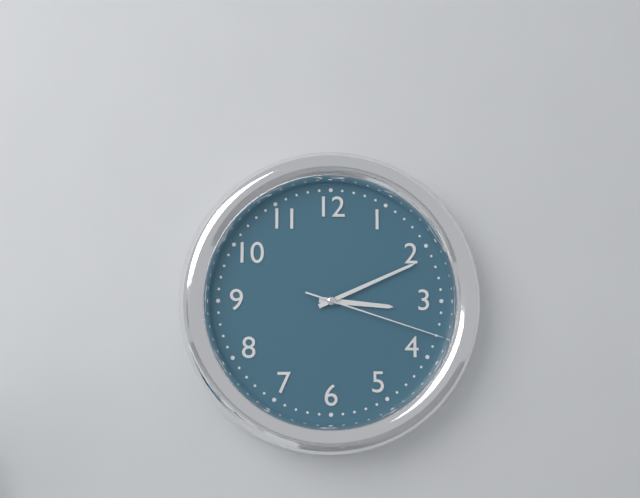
3:11:18
